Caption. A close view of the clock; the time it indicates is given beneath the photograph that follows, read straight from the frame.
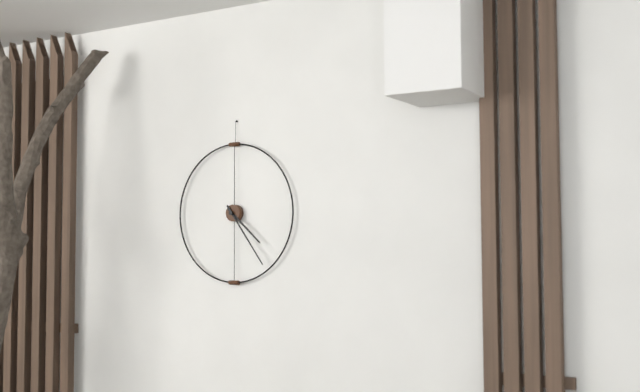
4:24
